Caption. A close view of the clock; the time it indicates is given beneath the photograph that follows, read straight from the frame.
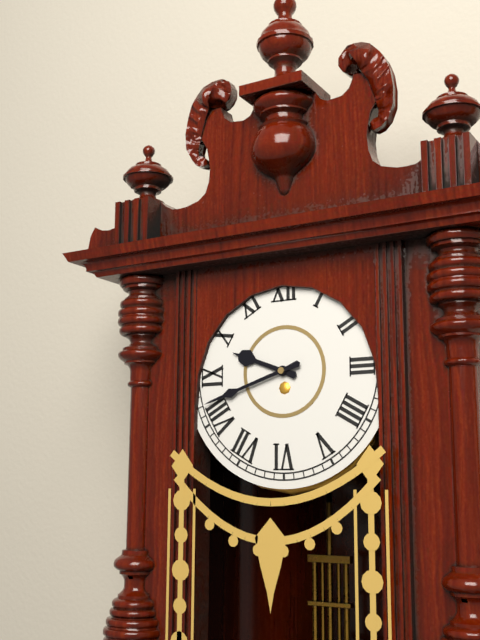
9:42
